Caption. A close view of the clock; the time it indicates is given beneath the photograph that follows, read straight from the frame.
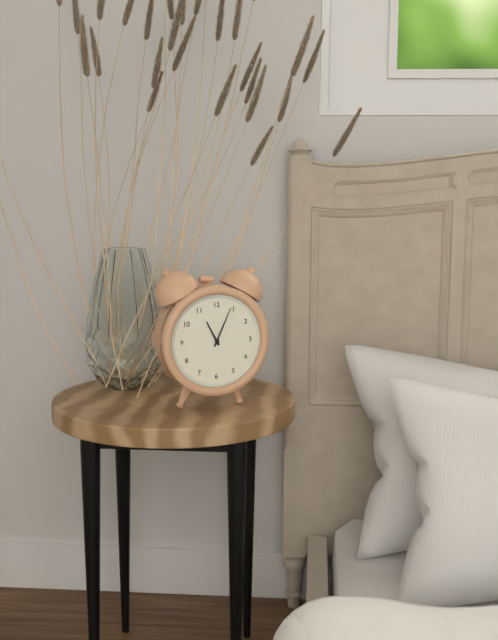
11:04
